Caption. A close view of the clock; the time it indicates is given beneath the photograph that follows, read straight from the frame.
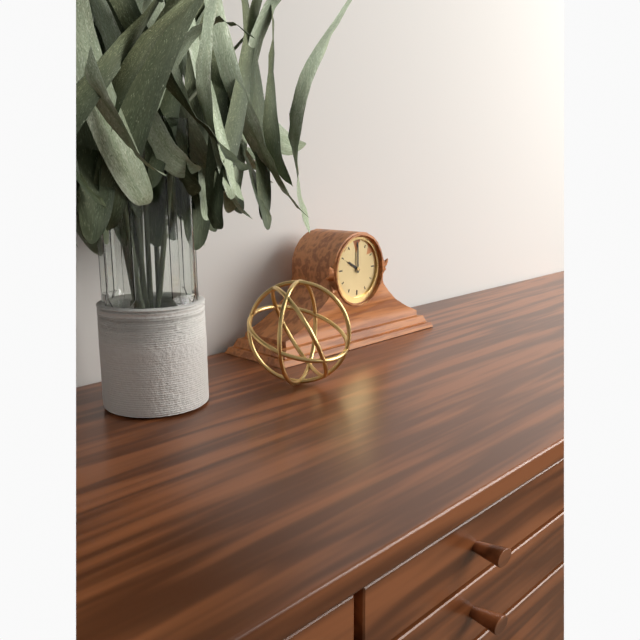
10:00
